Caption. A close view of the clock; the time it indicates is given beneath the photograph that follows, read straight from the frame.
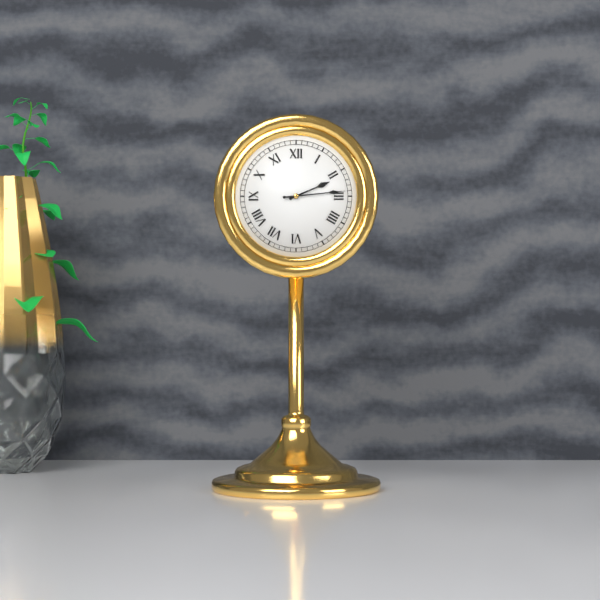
2:14
